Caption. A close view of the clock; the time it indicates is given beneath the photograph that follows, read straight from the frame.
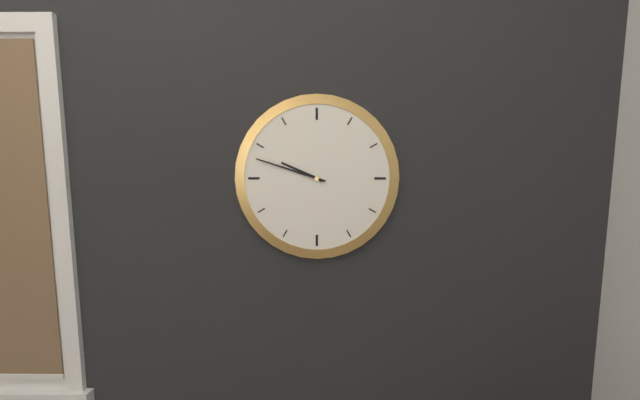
9:48
